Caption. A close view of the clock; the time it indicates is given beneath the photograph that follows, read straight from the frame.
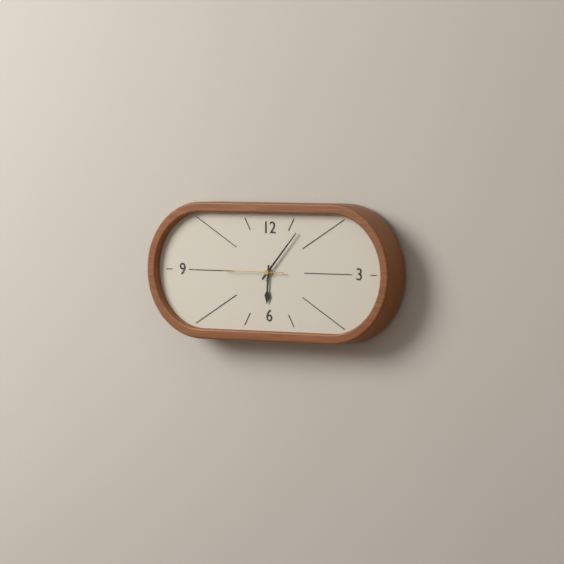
6:07:45
